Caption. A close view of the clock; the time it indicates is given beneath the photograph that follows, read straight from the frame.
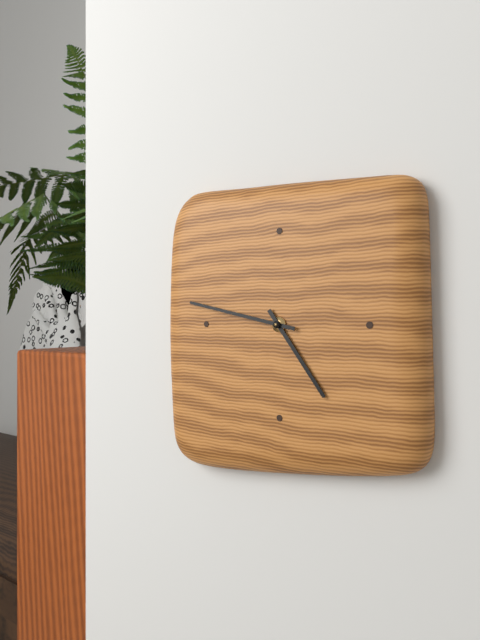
4:47
